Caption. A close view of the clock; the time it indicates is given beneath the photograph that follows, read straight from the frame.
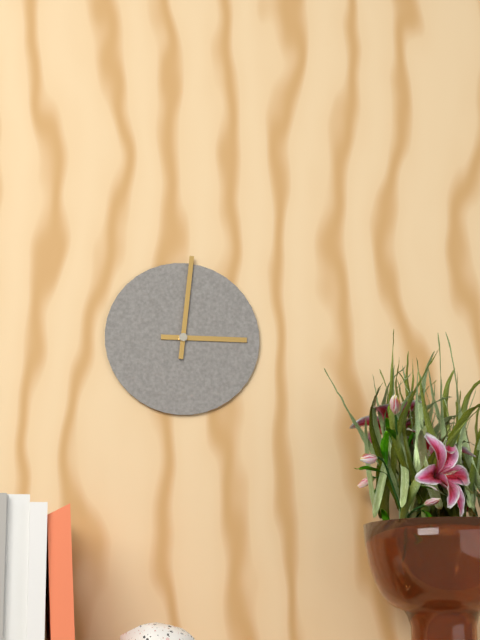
3:01
